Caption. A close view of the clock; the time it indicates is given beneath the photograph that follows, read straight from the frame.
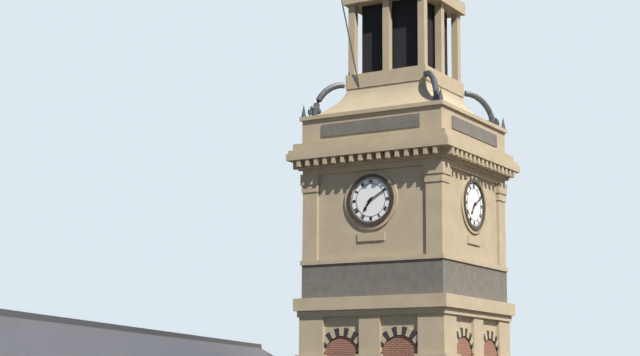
7:10
